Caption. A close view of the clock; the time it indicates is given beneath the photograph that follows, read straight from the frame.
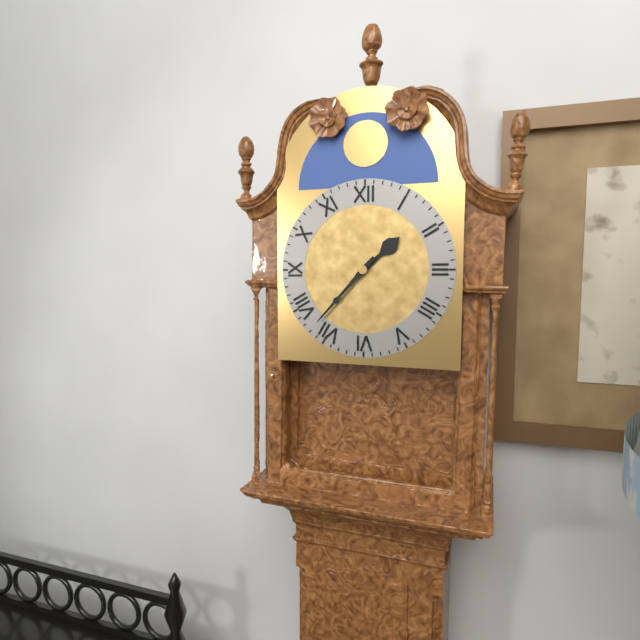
1:37
